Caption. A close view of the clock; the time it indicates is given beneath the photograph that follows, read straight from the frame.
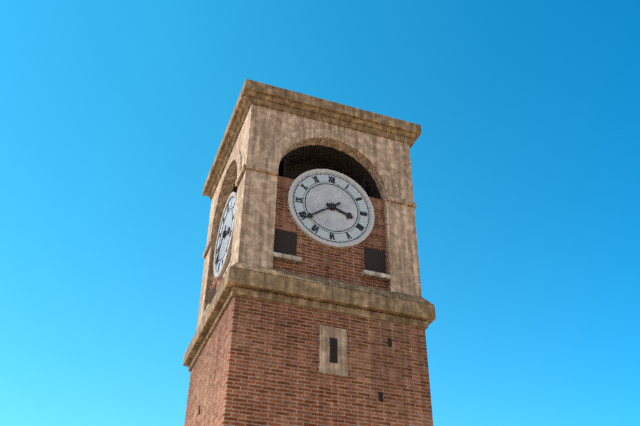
3:39
